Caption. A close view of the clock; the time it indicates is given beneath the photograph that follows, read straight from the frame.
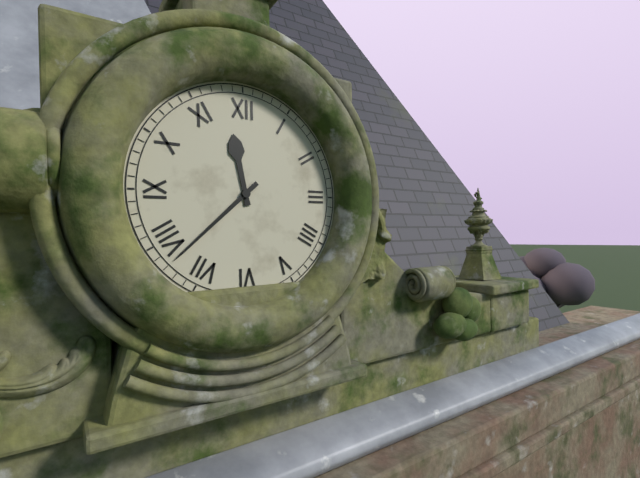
11:38
